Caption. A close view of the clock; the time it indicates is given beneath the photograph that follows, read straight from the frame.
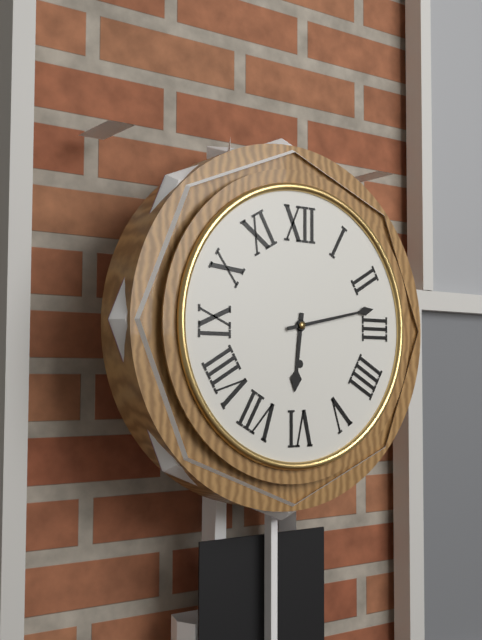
6:13
